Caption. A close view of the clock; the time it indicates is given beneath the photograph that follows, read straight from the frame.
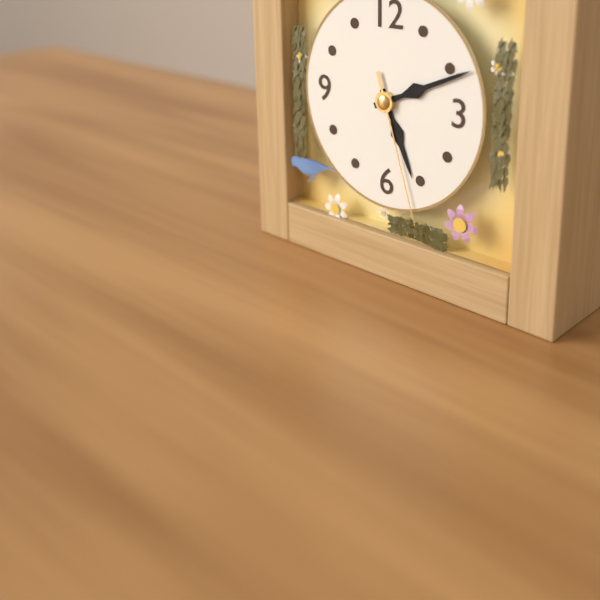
5:11:27
